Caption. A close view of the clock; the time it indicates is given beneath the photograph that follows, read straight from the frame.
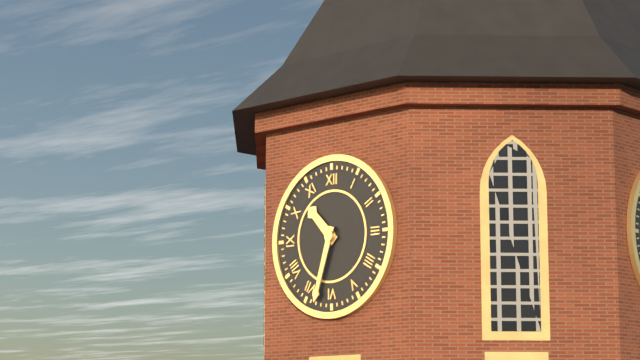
10:33
